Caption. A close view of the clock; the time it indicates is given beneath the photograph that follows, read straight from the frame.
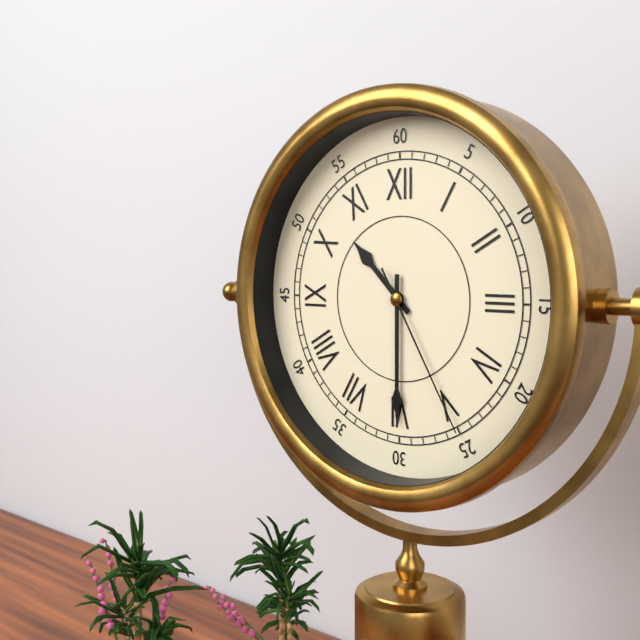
10:30:25
